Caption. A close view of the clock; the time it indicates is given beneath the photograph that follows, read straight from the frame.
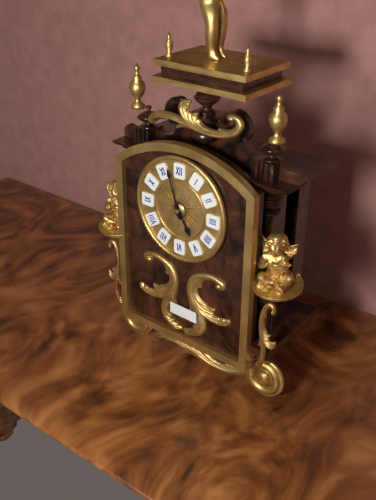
4:57
